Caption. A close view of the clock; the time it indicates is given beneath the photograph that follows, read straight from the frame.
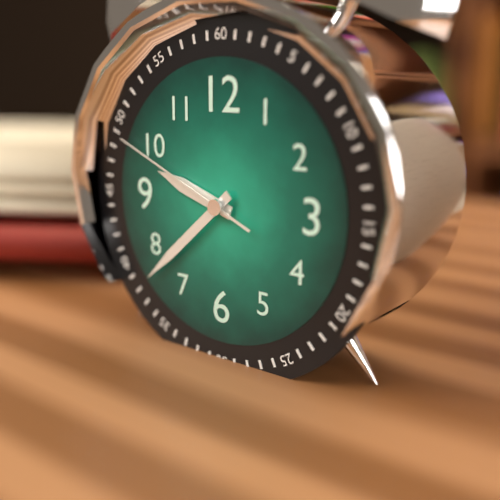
9:38:49
